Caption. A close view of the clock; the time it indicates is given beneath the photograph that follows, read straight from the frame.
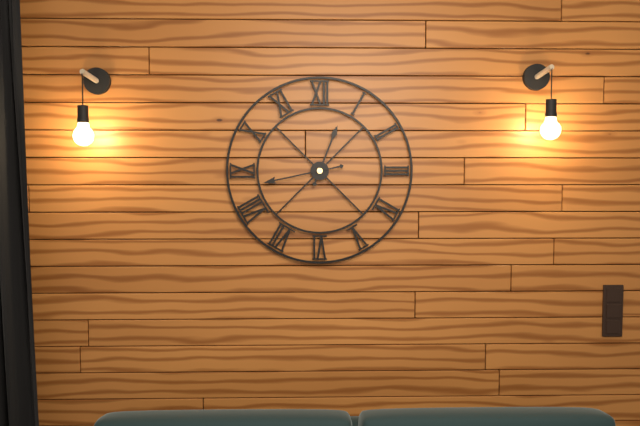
12:43
